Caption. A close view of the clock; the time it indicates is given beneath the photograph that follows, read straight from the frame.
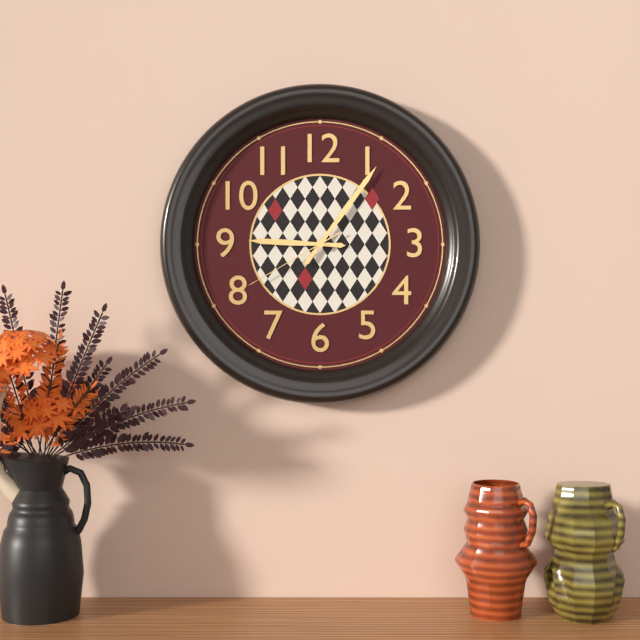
9:06:40
